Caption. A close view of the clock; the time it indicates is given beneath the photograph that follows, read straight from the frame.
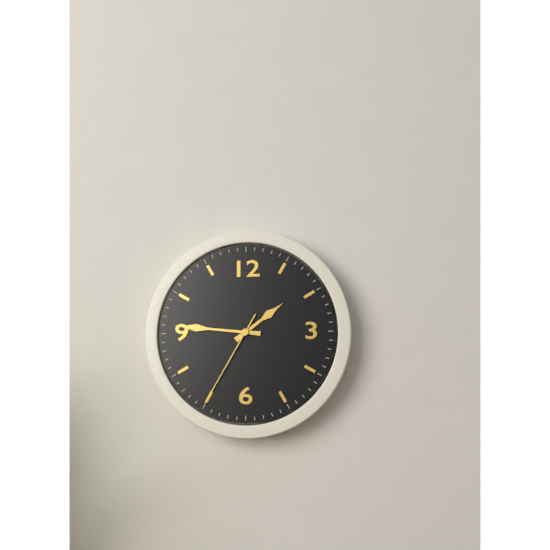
1:46:35
